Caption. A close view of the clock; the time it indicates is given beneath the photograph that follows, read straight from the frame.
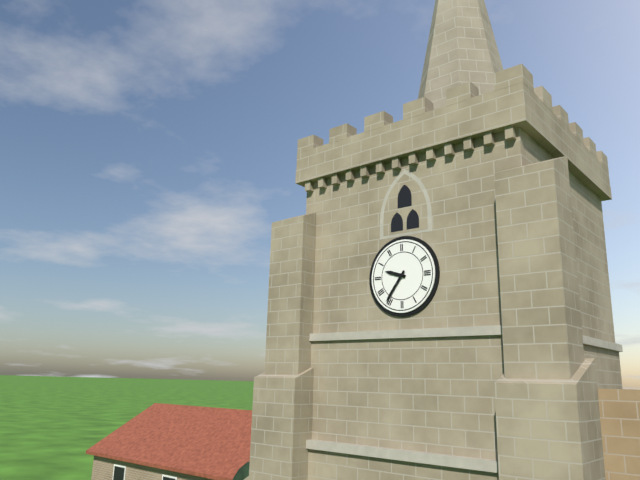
9:36
